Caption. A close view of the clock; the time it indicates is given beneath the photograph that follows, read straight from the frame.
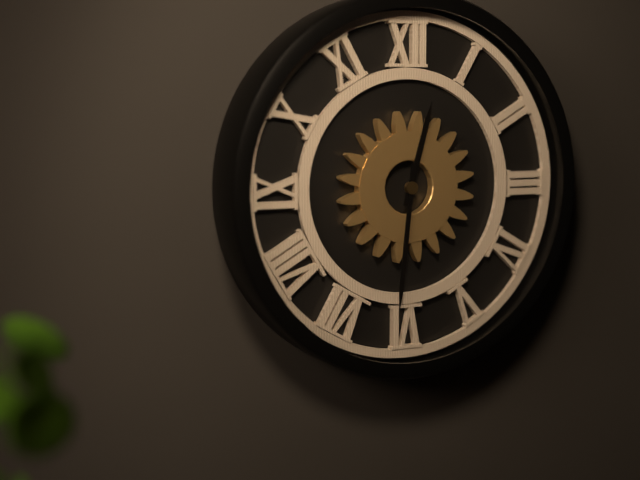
12:31
